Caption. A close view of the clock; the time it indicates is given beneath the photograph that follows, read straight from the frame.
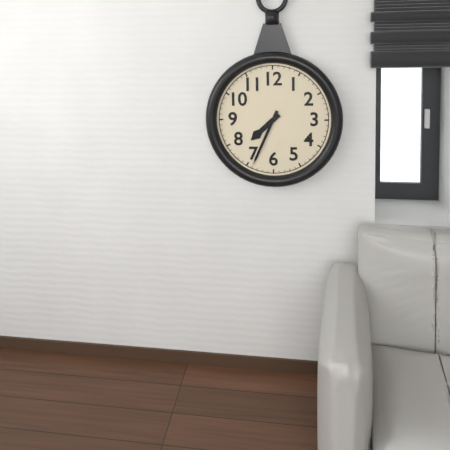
7:34
